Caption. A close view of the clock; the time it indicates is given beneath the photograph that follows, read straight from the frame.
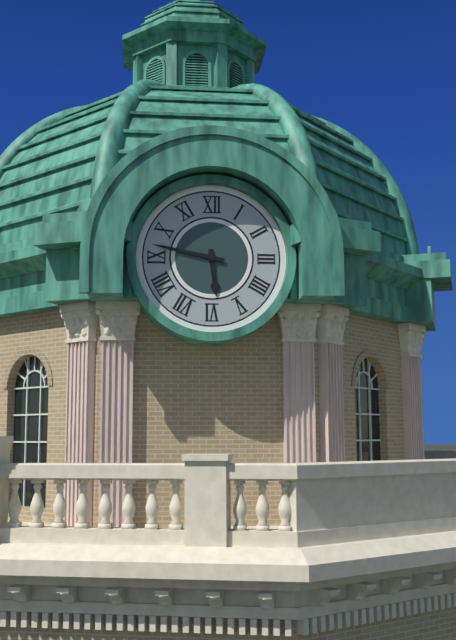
5:47
